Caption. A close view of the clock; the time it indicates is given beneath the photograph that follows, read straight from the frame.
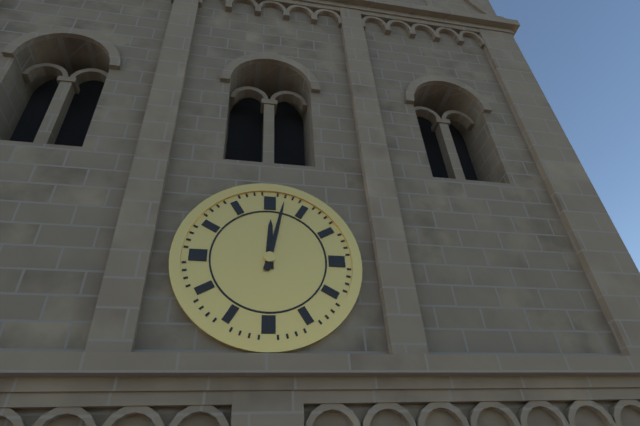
12:02
